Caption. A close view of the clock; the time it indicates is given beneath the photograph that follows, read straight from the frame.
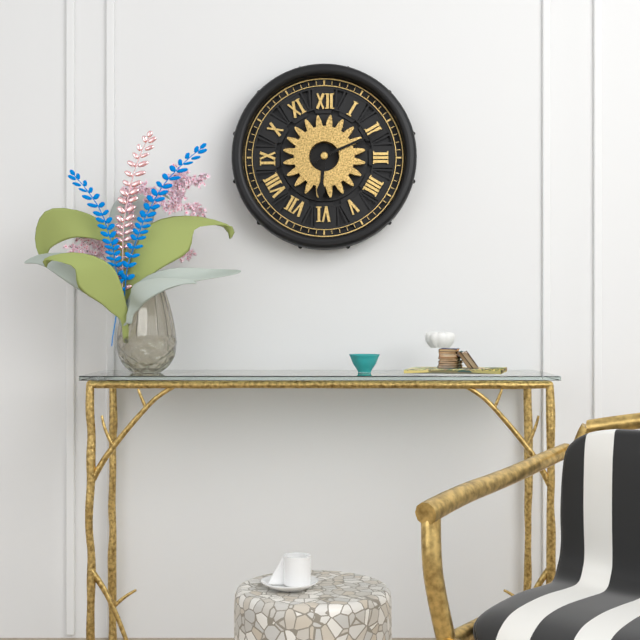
6:11
